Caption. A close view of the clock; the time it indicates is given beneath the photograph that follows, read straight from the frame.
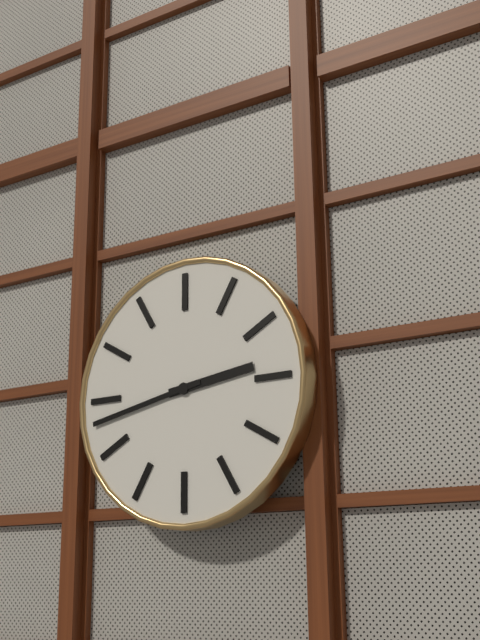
2:43
